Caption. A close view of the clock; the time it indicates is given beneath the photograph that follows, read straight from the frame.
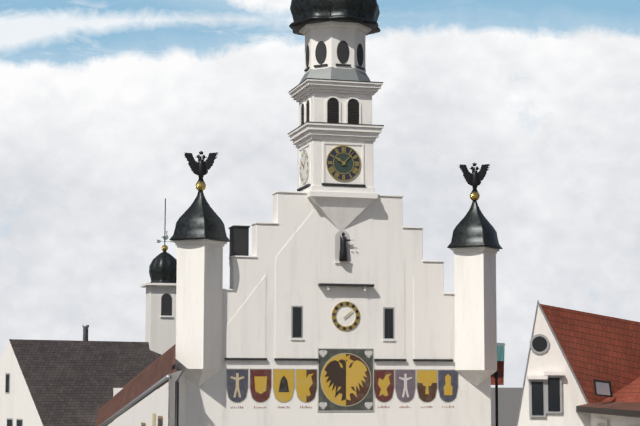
10:07
